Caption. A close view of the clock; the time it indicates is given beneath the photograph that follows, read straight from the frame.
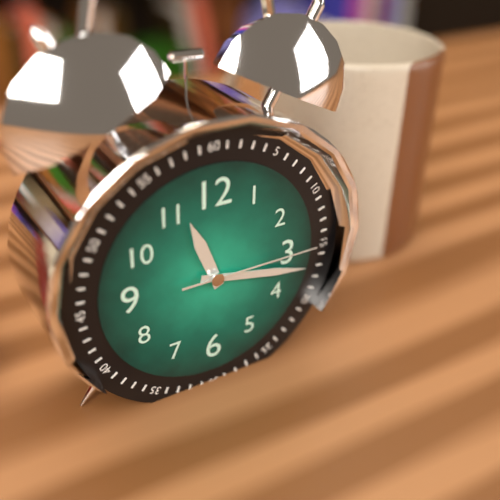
11:17:15
